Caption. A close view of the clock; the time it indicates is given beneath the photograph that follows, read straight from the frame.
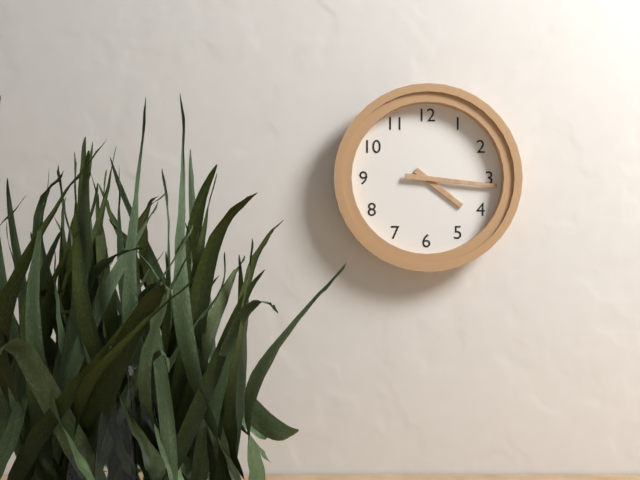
4:16
